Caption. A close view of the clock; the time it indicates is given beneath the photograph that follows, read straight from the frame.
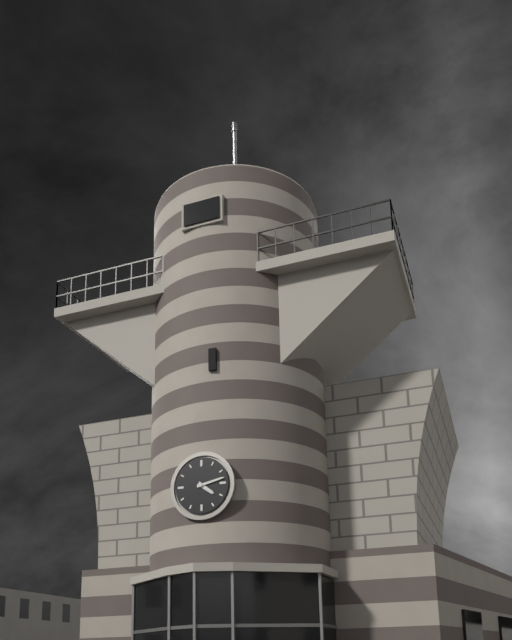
4:13
